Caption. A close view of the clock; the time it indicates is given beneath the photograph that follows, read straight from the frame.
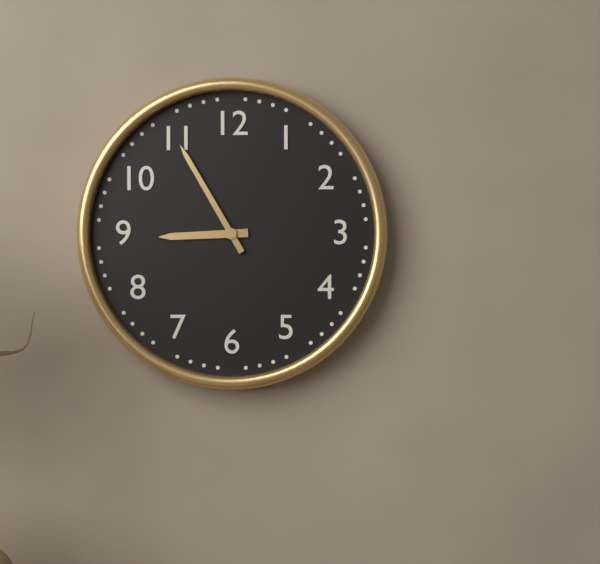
8:55
